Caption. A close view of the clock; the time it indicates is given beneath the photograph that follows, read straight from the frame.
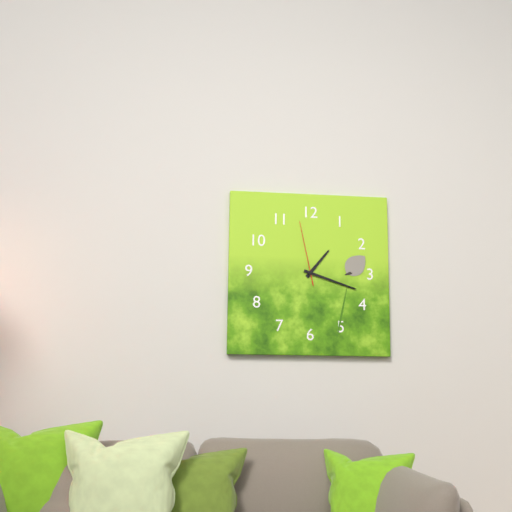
1:18:58
